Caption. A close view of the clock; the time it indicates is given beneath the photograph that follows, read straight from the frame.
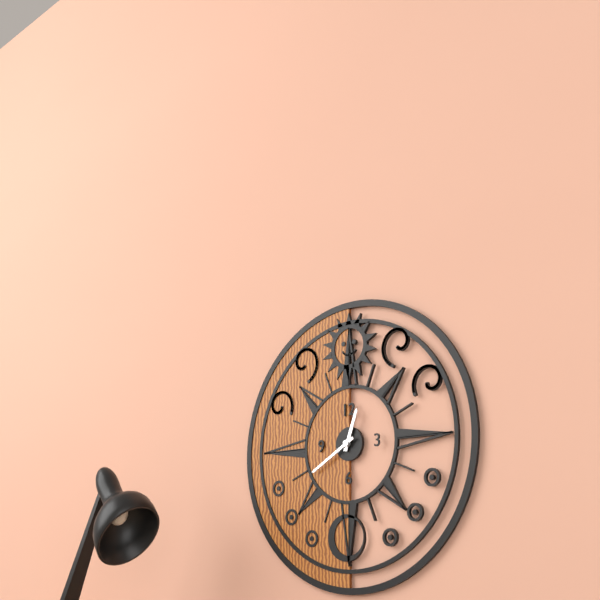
12:40
